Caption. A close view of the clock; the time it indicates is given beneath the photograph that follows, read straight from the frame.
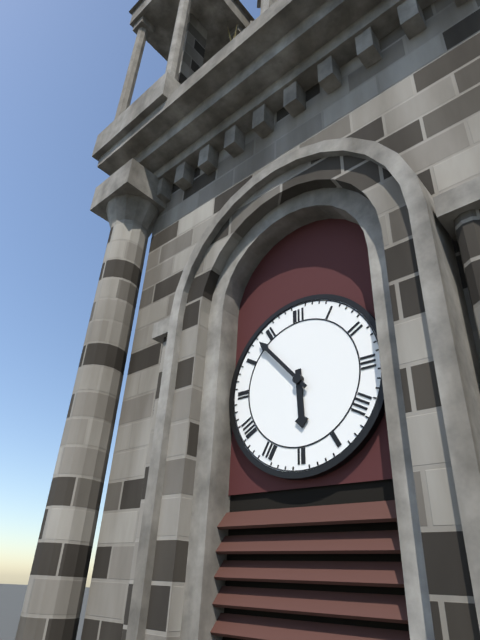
5:53
